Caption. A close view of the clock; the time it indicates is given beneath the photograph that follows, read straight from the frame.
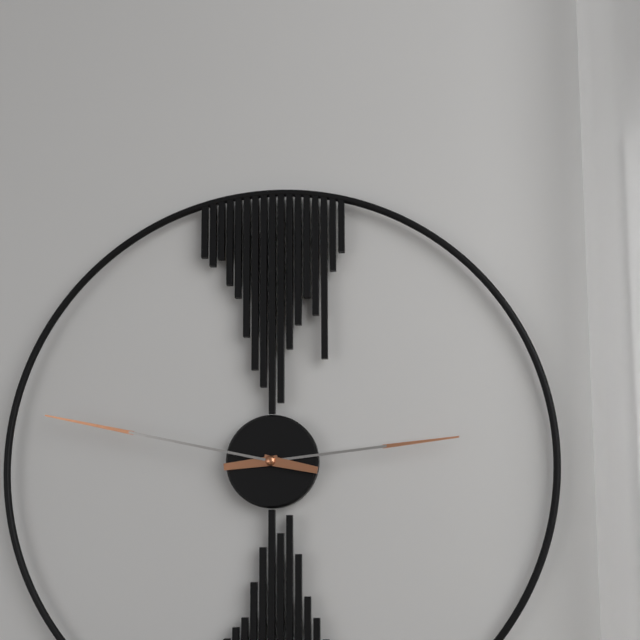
2:47
